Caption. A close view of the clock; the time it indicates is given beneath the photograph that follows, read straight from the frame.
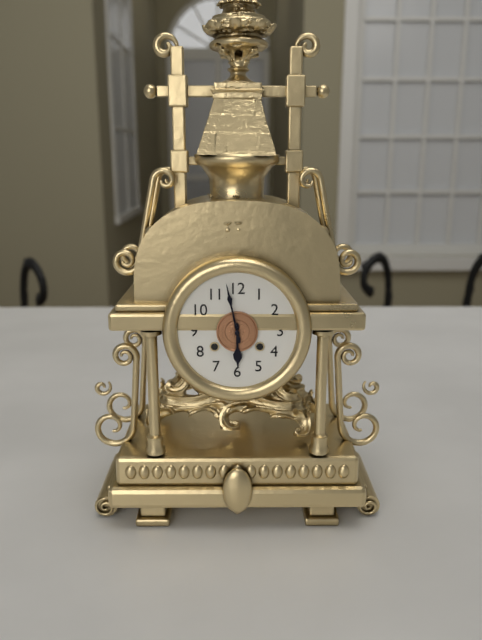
5:58
